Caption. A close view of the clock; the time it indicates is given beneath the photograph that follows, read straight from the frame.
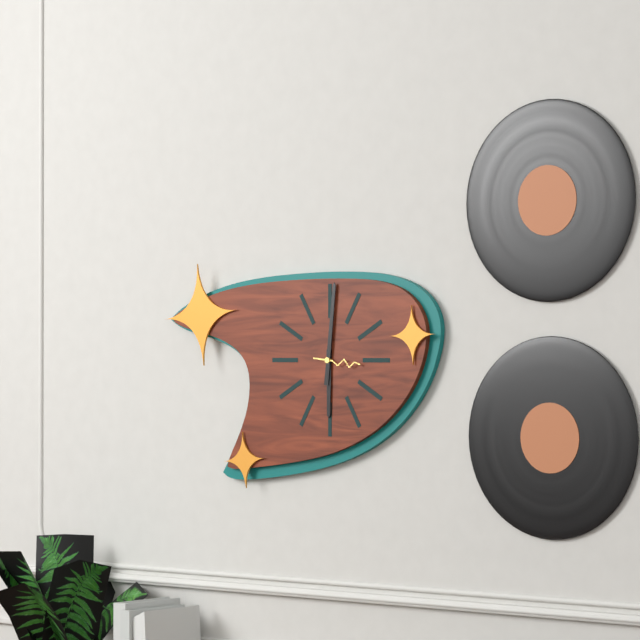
6:01
